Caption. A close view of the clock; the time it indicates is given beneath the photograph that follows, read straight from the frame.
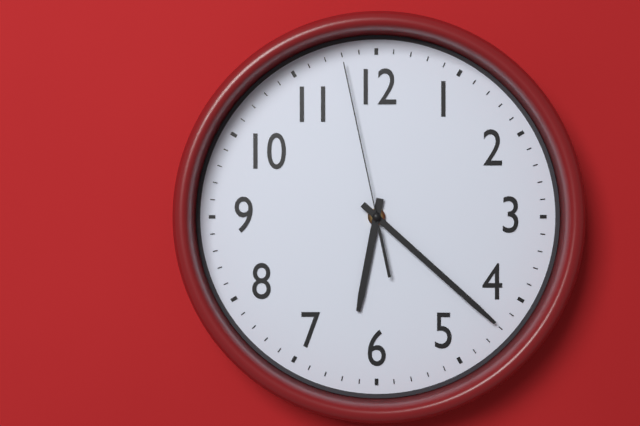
6:22:58
